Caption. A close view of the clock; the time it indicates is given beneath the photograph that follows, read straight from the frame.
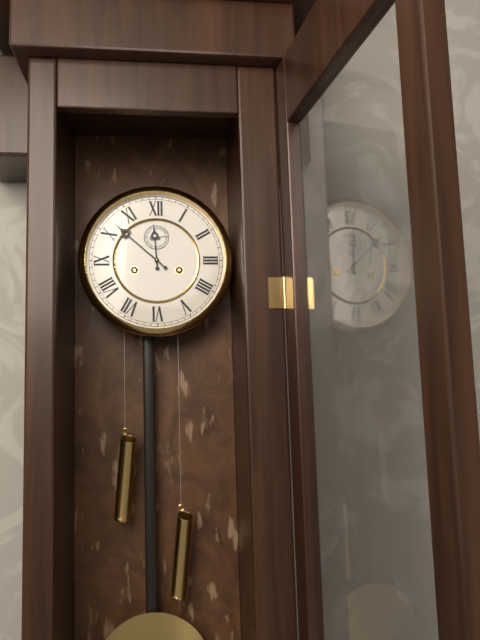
11:52
